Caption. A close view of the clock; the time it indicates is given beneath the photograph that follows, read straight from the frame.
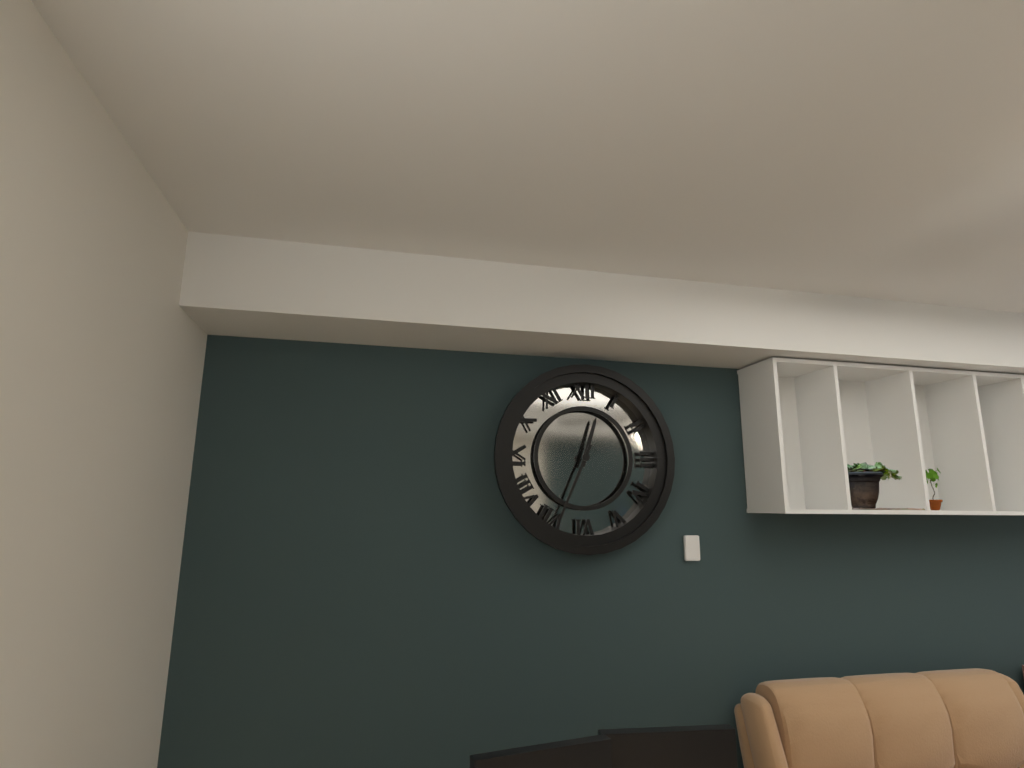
12:34
